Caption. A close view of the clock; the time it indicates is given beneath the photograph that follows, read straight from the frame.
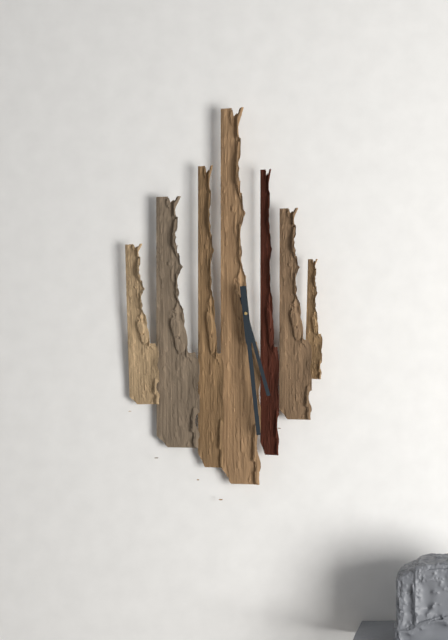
5:29
